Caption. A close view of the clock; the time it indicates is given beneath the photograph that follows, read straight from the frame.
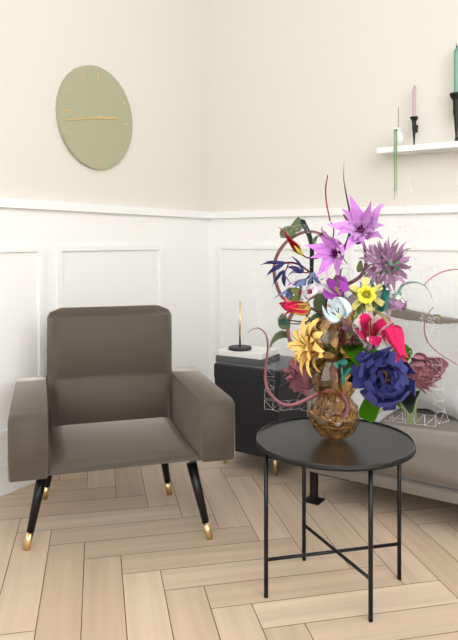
2:43
